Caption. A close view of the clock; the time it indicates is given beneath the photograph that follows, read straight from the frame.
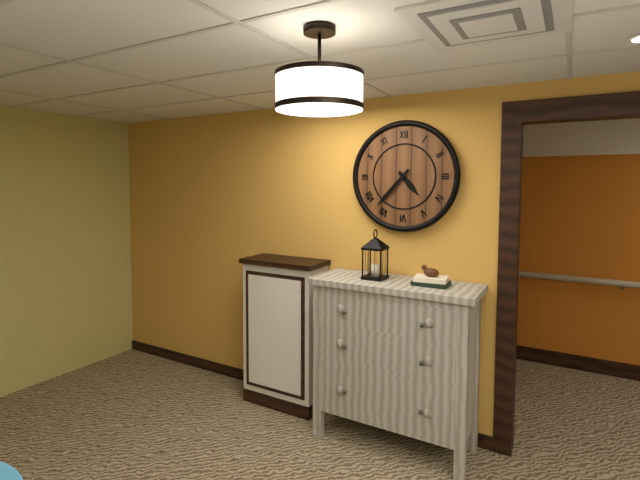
4:37
